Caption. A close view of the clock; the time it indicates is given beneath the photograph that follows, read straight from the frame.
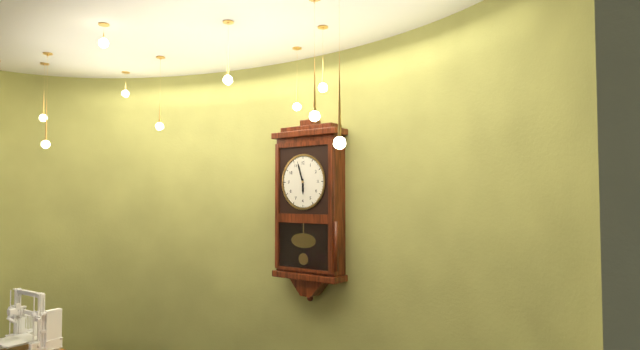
5:57
